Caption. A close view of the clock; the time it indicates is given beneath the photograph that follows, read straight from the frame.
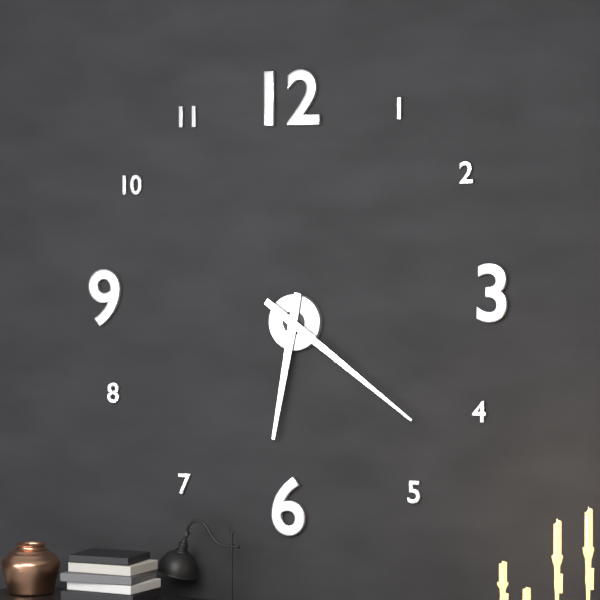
6:21
